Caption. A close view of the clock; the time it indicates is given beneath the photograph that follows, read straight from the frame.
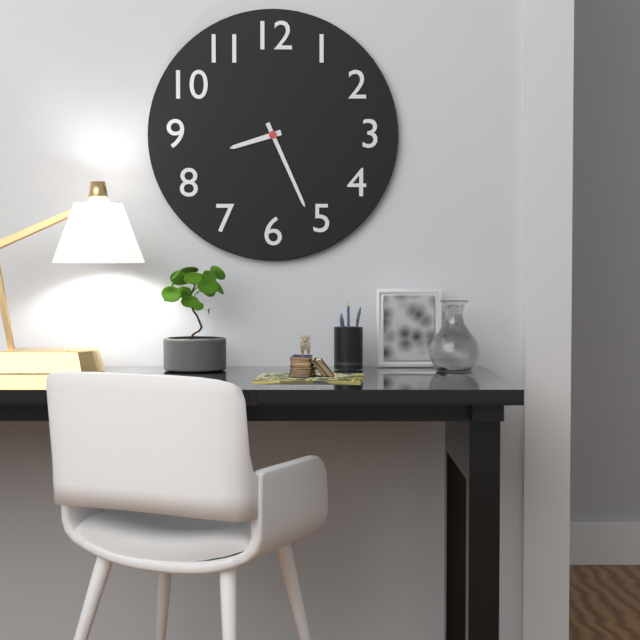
8:26
